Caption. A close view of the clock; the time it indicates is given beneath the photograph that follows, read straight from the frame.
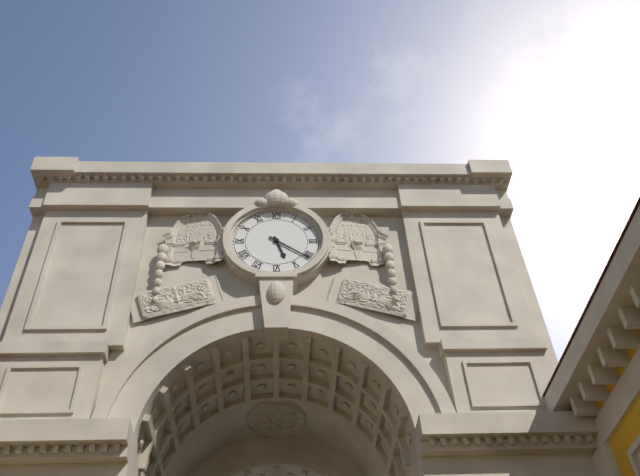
5:21
